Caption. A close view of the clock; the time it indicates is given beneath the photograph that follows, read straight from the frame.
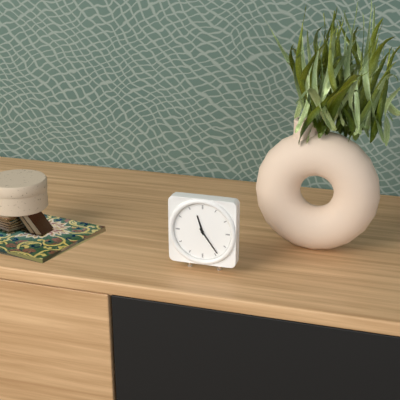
11:24
